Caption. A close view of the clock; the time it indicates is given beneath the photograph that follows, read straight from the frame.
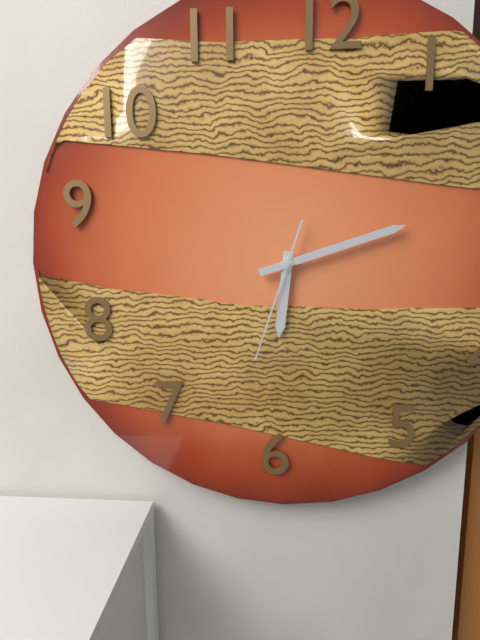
6:12:33
